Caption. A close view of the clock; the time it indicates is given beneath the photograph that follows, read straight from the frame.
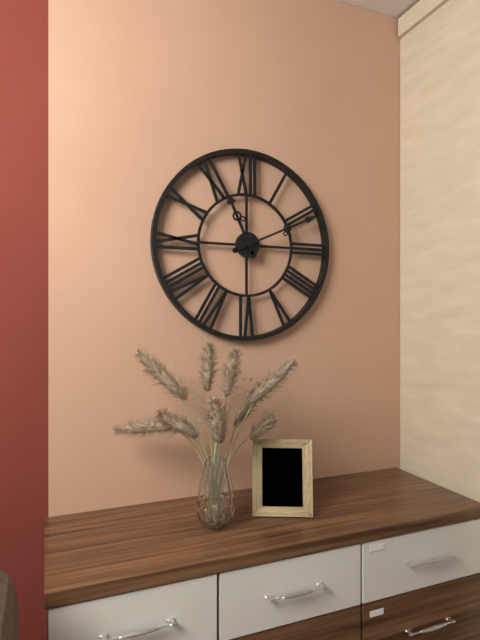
11:11
